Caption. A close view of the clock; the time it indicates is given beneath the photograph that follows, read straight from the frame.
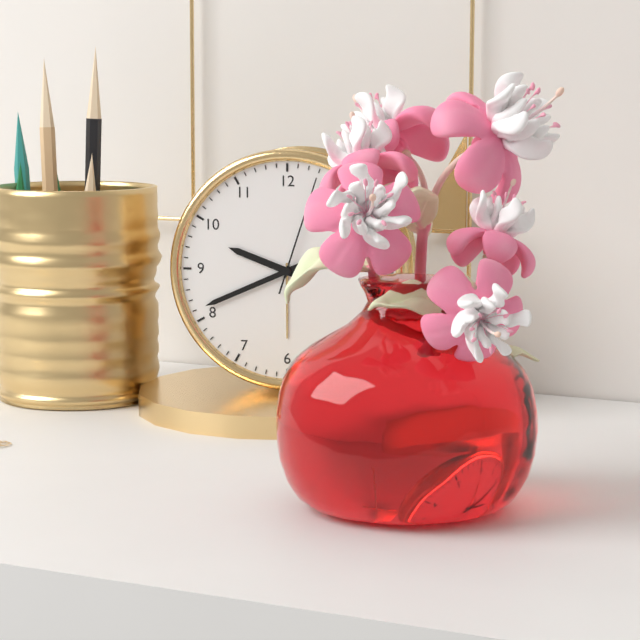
9:41:03
